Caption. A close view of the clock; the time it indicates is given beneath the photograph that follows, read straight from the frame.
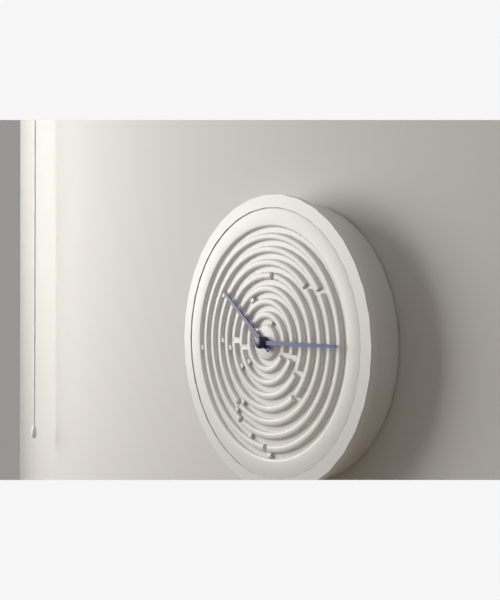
10:15
